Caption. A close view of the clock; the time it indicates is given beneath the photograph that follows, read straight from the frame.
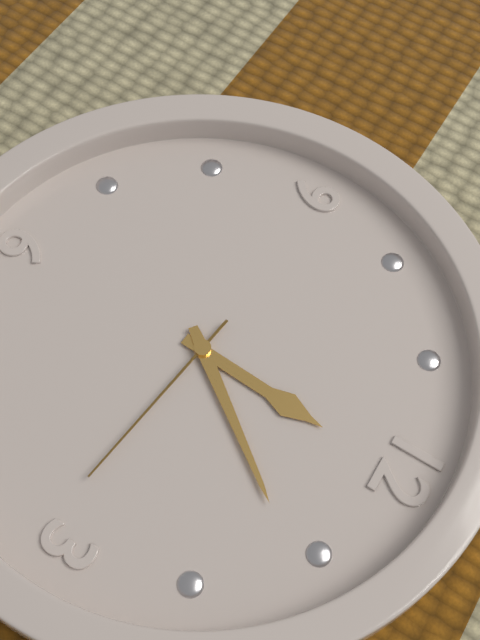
12:06:16
